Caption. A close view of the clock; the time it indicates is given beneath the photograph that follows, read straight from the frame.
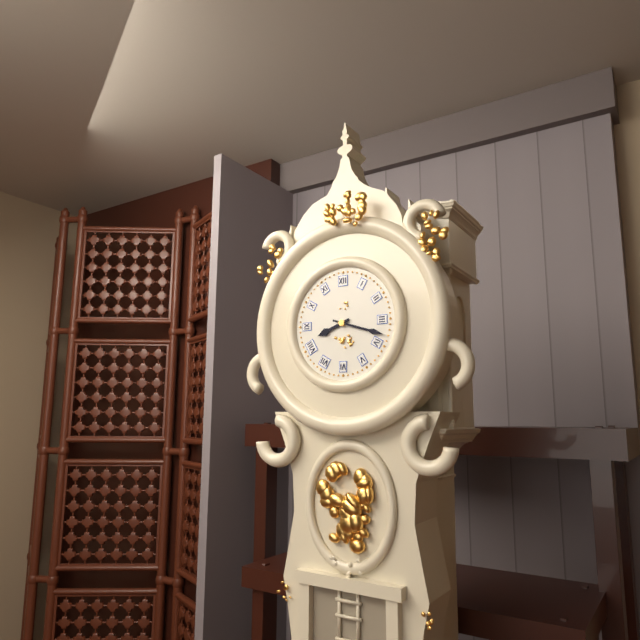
8:18
